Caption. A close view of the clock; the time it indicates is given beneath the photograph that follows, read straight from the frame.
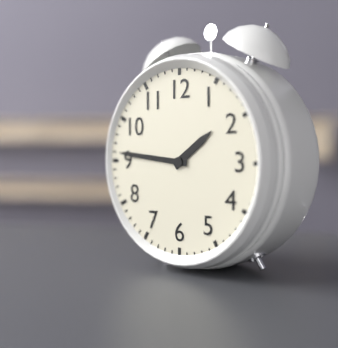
1:46
